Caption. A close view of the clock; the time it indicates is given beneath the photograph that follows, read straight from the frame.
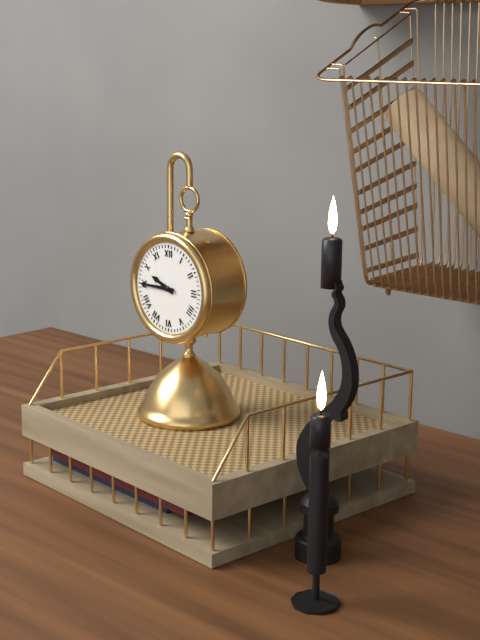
9:45
